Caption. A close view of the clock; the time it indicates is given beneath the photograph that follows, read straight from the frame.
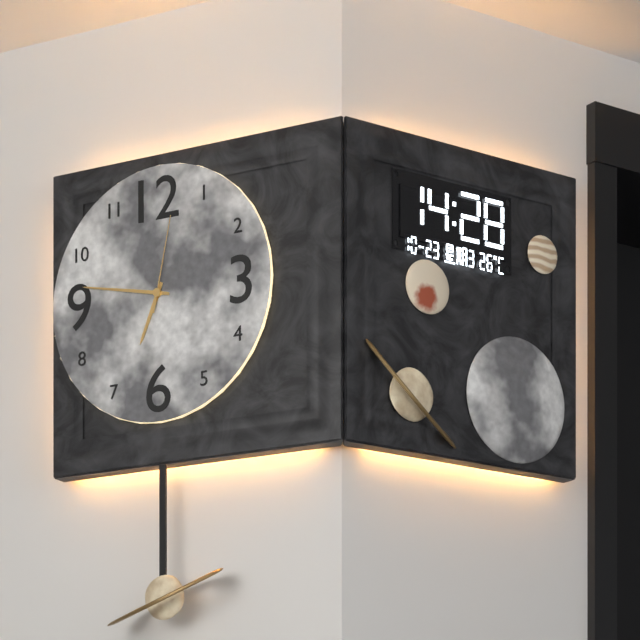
6:47:02
